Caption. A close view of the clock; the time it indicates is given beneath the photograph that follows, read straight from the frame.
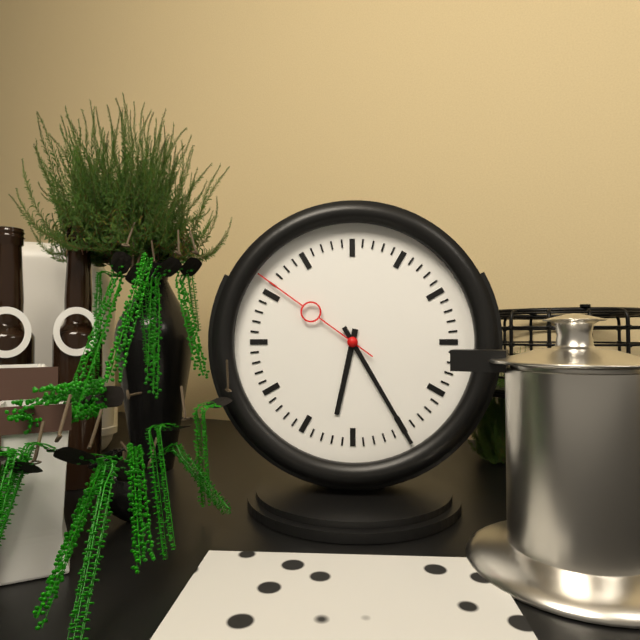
6:25:51
